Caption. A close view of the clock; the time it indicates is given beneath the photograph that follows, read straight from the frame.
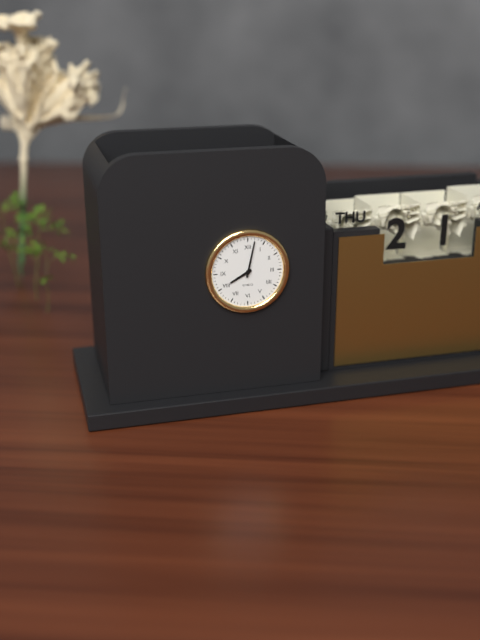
8:02
